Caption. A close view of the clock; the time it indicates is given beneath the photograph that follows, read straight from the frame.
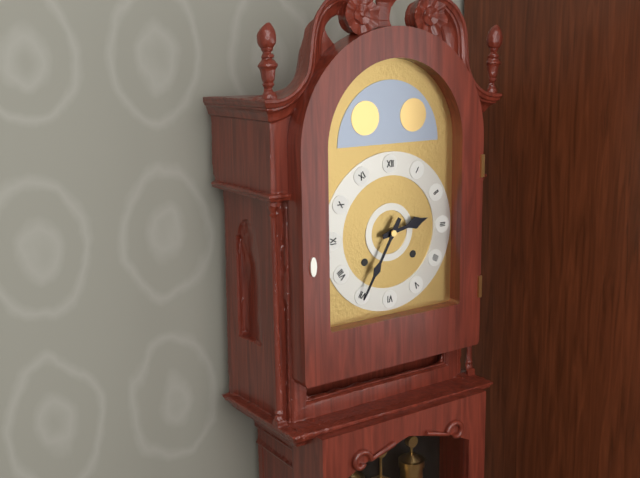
2:35
